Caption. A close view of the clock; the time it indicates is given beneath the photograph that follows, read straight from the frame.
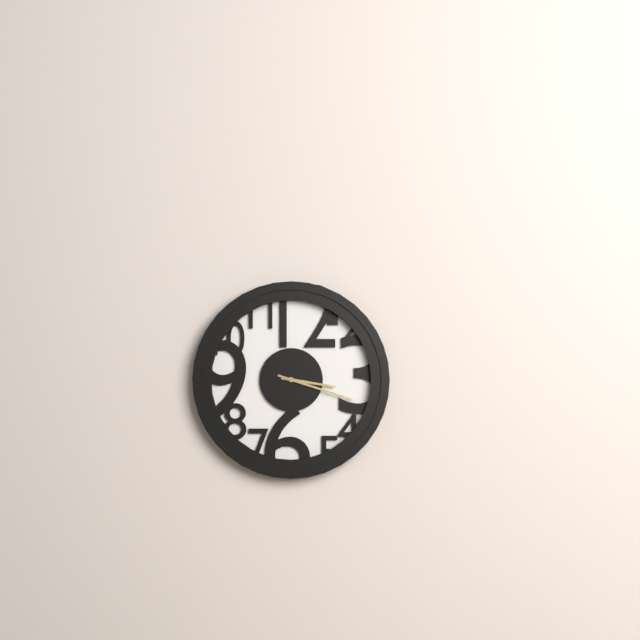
3:18
